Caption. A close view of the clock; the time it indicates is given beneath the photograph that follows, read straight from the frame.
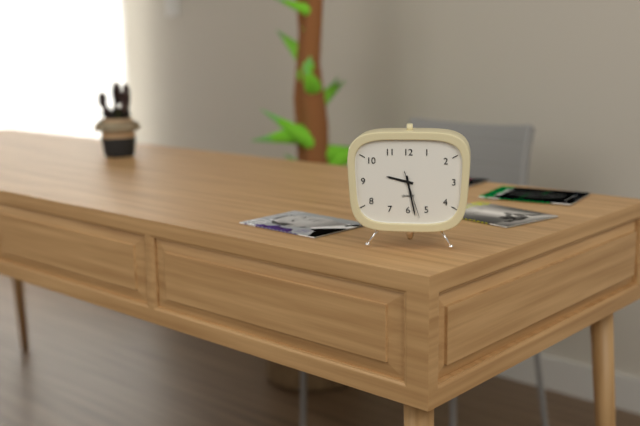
9:28
